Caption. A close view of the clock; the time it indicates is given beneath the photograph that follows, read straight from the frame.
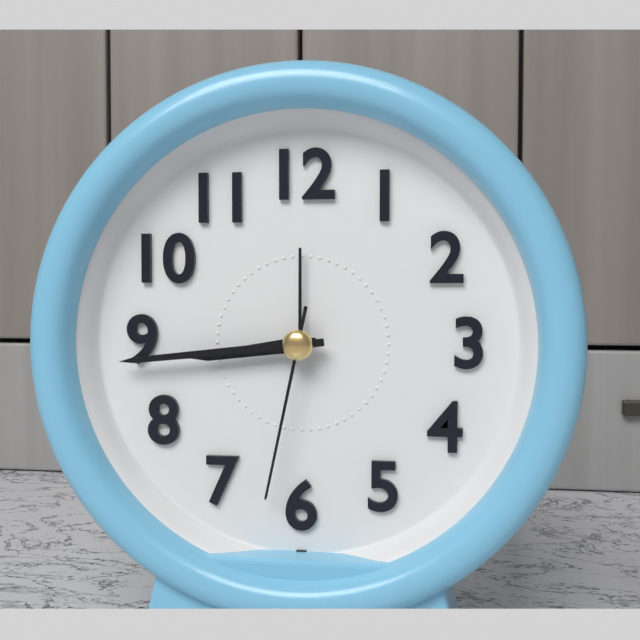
8:44:32
